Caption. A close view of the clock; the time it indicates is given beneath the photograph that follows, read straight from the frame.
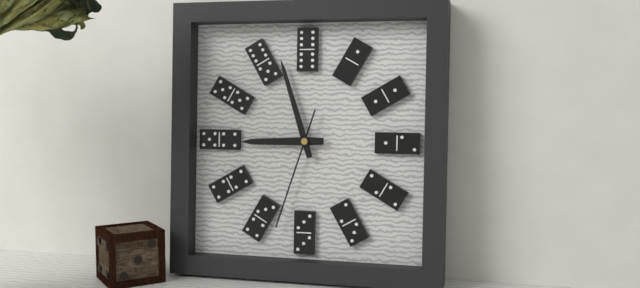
8:57:33
